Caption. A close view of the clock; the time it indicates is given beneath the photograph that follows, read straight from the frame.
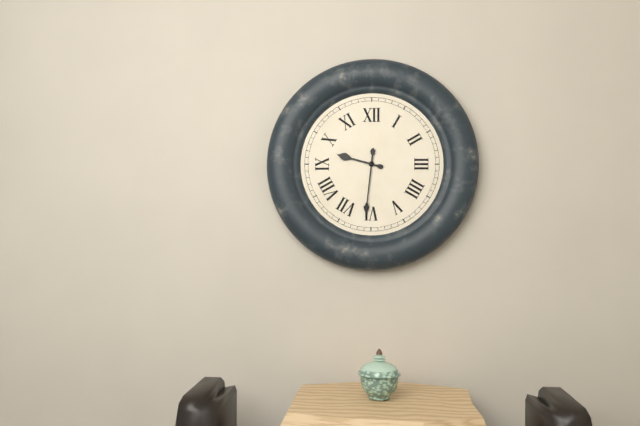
9:31
